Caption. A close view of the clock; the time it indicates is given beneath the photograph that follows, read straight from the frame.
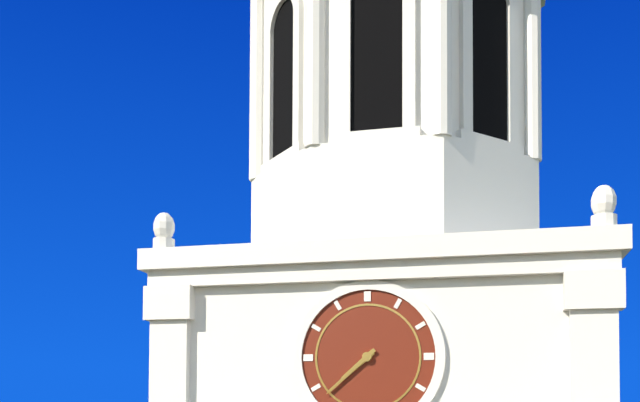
7:38
